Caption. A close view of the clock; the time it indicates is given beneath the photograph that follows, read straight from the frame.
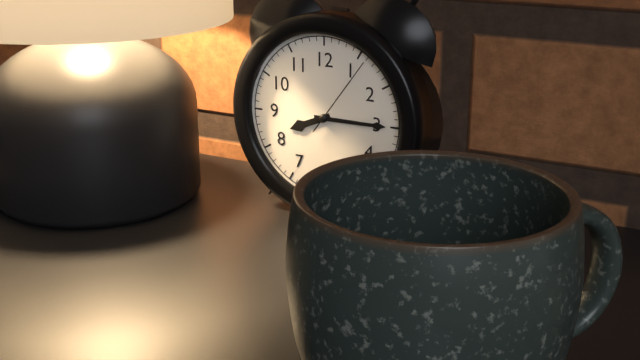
8:15:06
